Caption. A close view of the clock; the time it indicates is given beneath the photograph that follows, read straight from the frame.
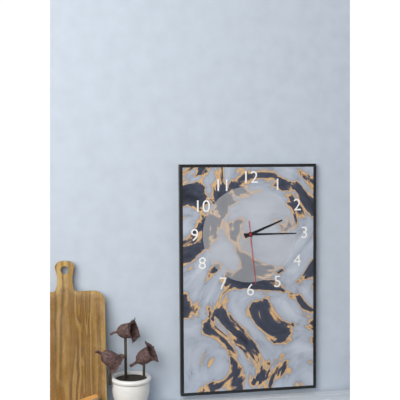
2:15:29
